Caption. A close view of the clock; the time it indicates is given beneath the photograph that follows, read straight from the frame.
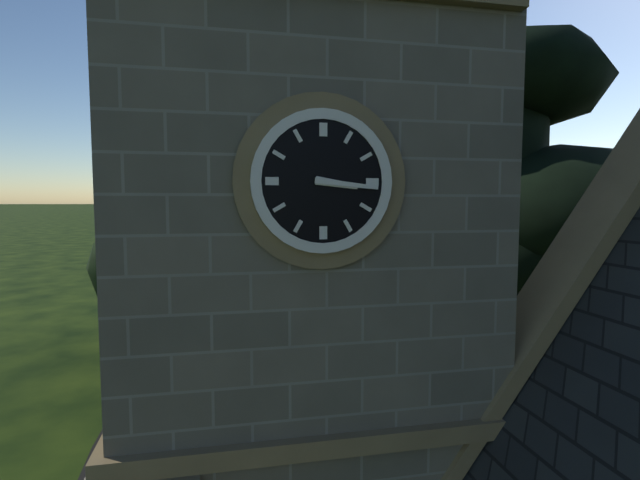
3:16
